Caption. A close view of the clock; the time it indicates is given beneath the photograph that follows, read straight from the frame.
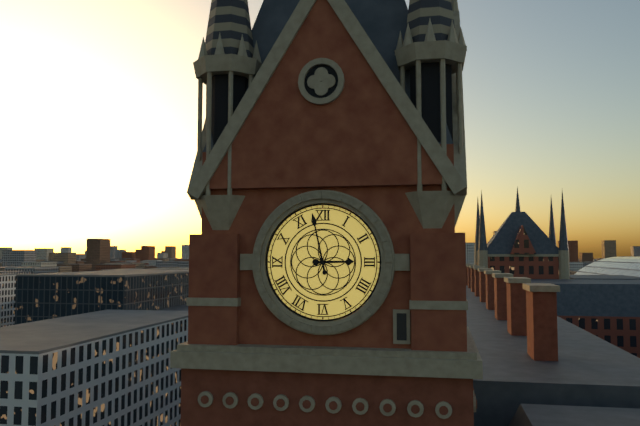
2:58
